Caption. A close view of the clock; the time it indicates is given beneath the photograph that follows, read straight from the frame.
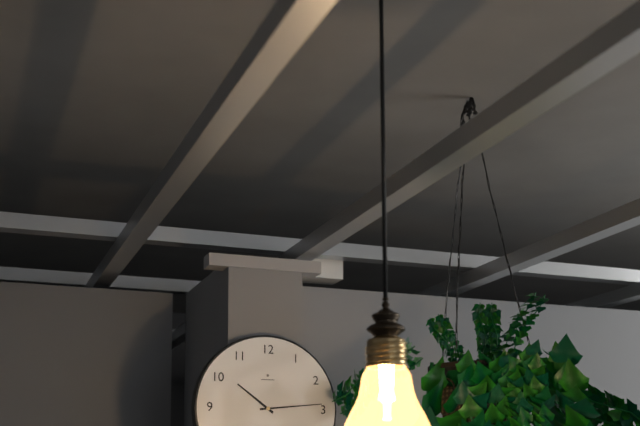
10:14
